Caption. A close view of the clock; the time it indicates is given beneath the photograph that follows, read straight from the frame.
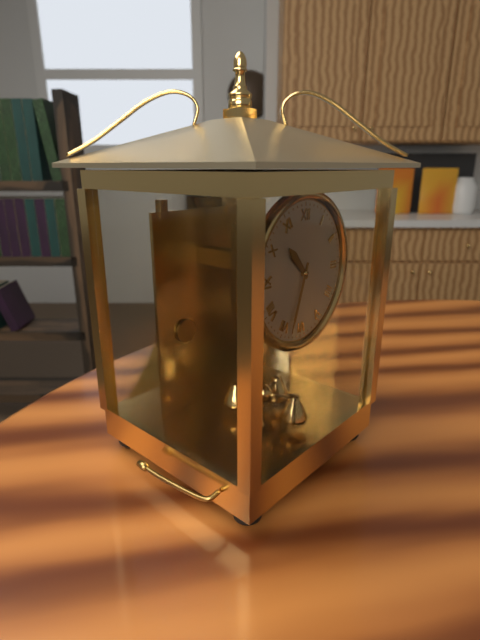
10:33
